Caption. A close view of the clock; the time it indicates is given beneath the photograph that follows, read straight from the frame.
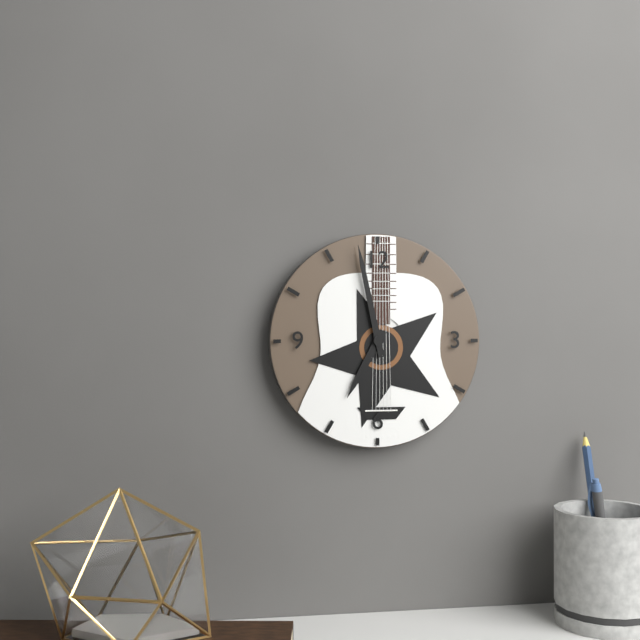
6:58
